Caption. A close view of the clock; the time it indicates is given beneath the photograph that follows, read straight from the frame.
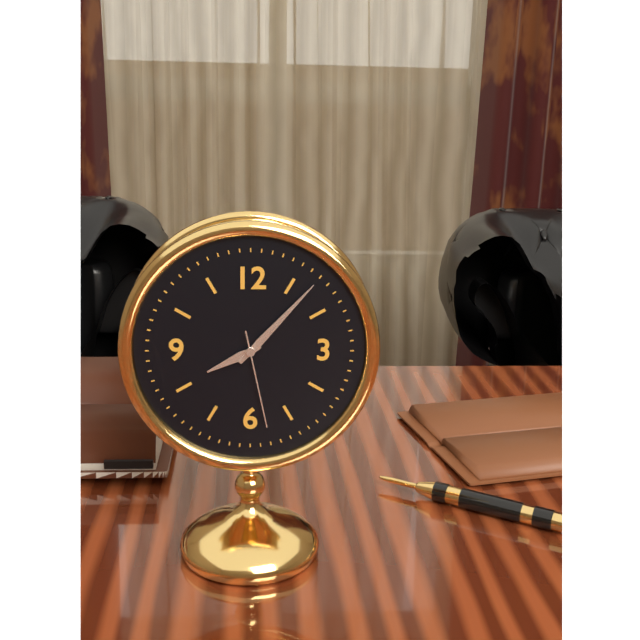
8:07:28
